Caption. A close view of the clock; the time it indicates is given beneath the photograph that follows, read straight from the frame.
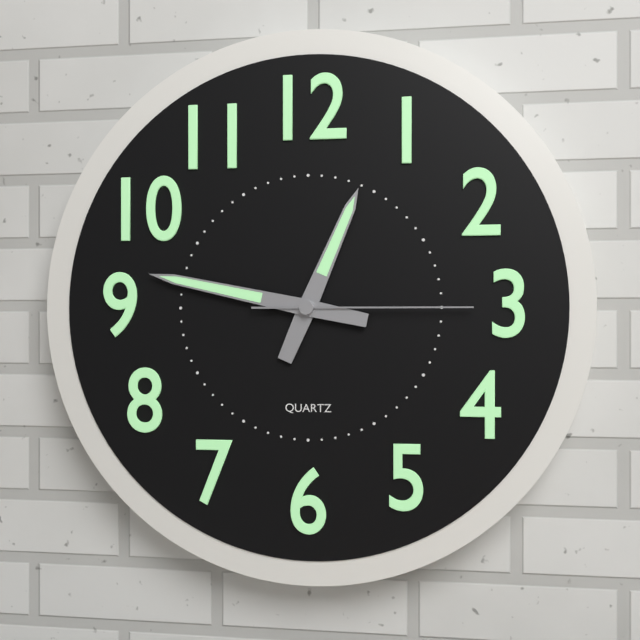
12:47:15
